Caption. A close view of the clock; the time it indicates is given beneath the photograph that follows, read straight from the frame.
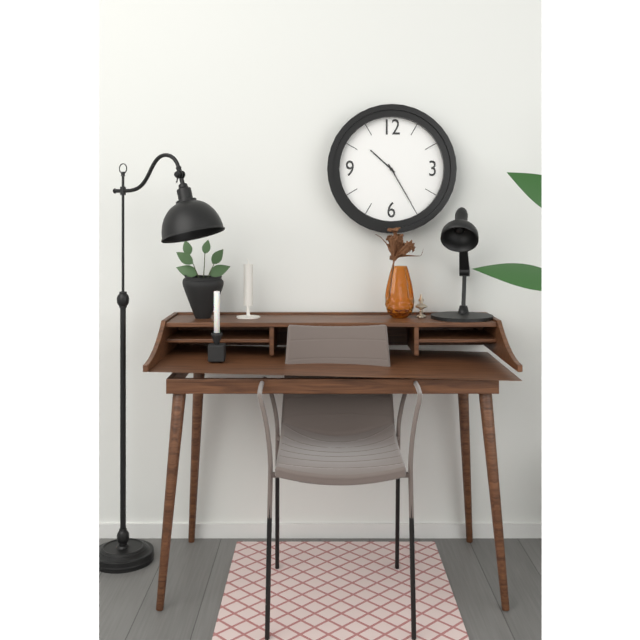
10:25
